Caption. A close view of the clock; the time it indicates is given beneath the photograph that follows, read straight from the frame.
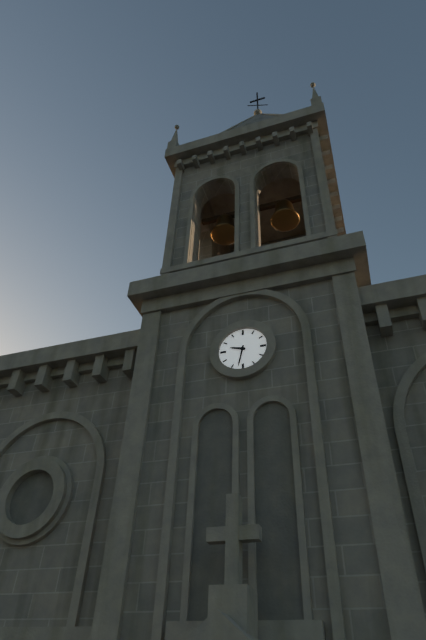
9:32
